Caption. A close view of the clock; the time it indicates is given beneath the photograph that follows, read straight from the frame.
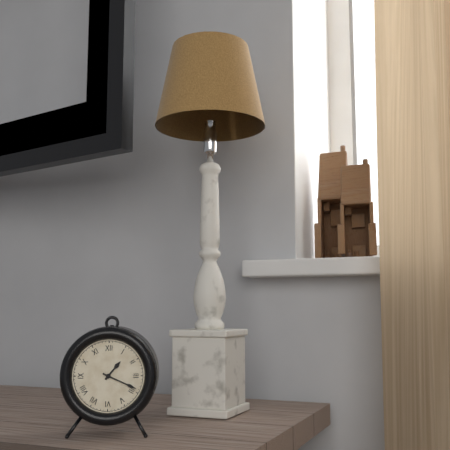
1:19
